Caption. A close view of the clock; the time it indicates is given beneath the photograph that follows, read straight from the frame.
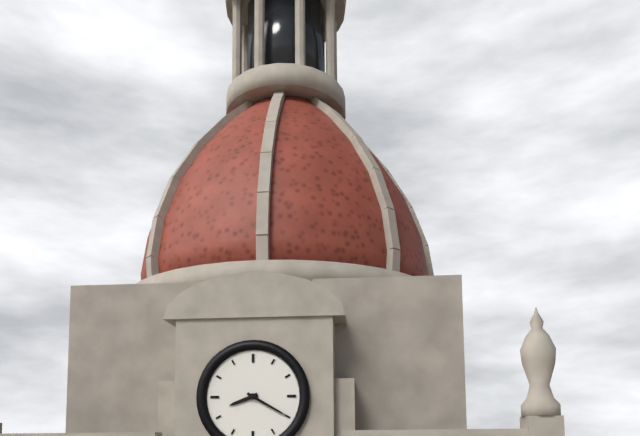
8:20
